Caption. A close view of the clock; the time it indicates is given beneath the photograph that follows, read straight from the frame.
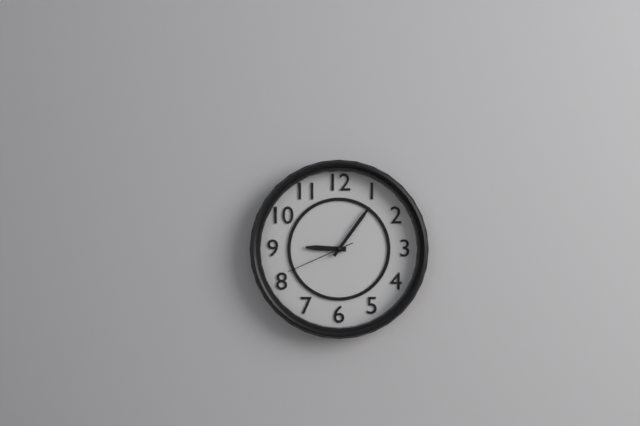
9:06:41
